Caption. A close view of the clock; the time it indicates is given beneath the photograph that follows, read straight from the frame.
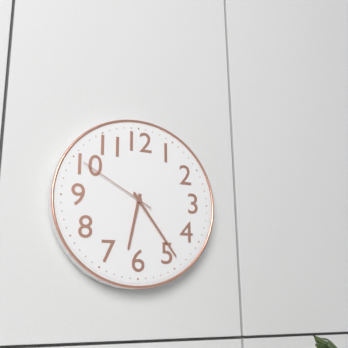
6:24:50
